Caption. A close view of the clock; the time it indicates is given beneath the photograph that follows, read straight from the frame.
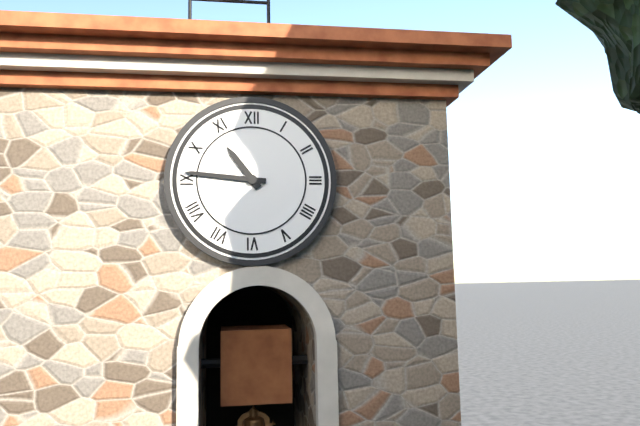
10:46
